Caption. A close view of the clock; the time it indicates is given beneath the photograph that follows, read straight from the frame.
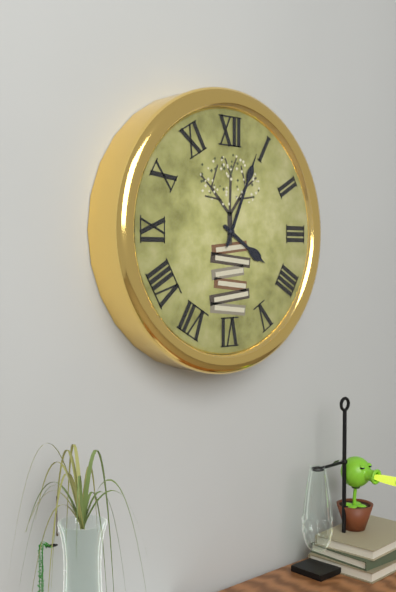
4:04
